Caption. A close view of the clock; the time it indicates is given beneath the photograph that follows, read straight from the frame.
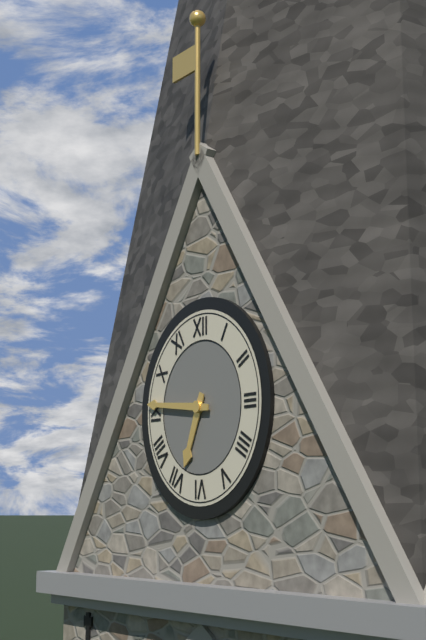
6:46
